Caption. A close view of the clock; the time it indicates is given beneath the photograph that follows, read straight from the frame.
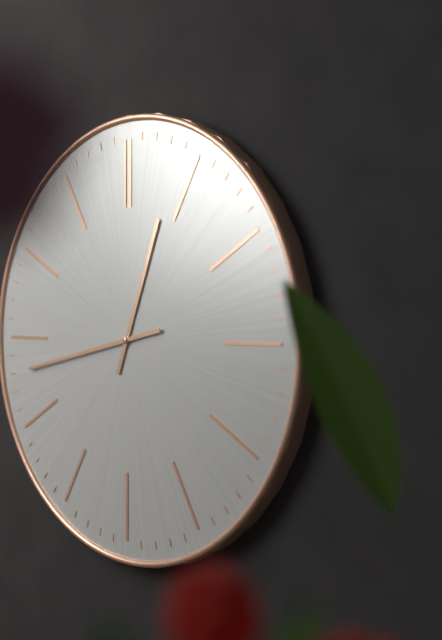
12:43
